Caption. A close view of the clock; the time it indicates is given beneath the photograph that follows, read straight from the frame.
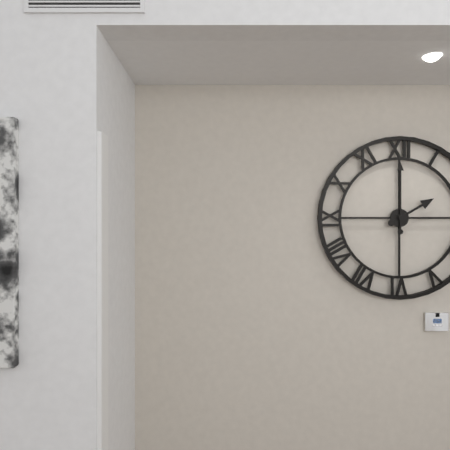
2:00
